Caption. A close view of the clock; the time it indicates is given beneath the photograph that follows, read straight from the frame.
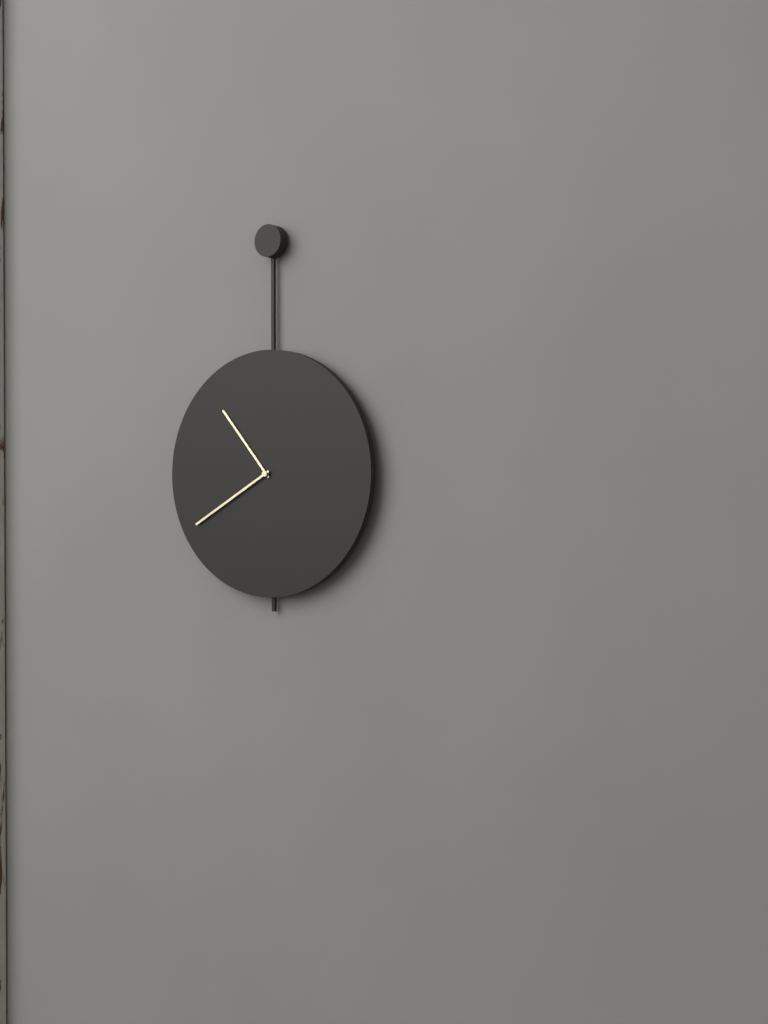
10:40
